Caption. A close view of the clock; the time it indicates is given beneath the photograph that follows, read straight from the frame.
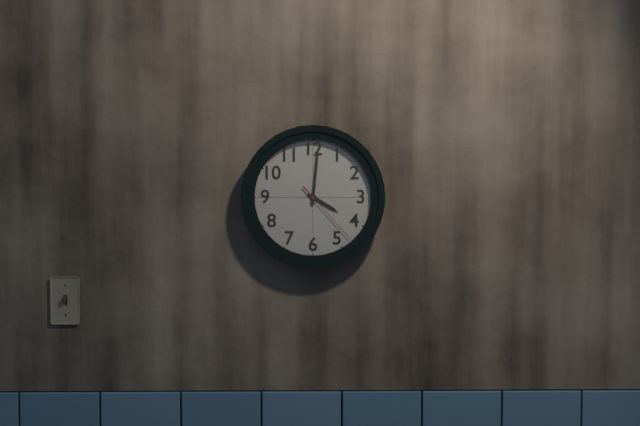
4:01:23
